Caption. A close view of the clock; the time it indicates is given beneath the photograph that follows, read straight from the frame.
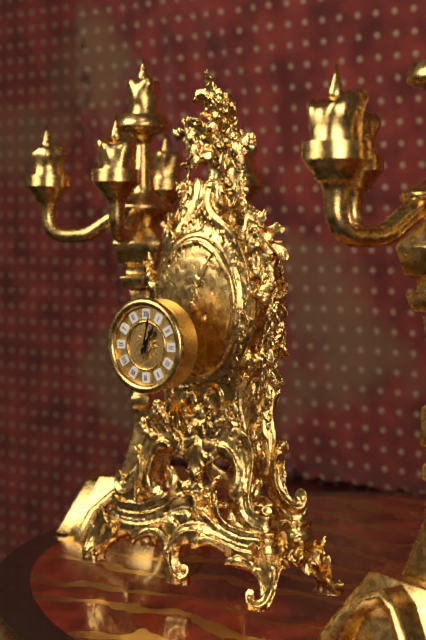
1:02
